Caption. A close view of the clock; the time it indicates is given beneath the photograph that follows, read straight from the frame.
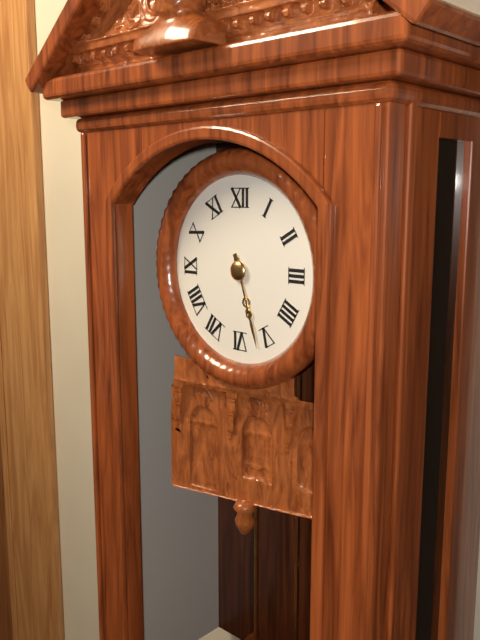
5:27
